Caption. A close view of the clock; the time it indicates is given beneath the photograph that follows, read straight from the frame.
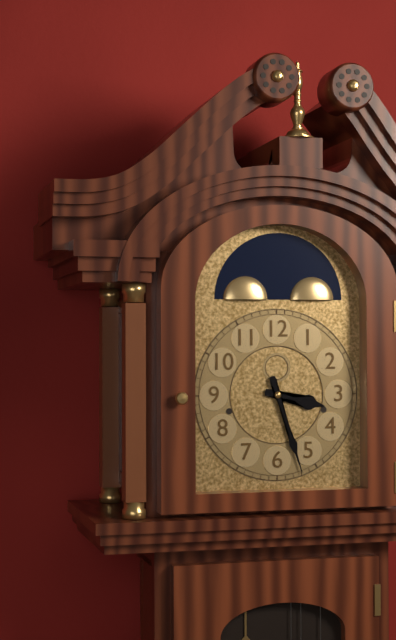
3:27
